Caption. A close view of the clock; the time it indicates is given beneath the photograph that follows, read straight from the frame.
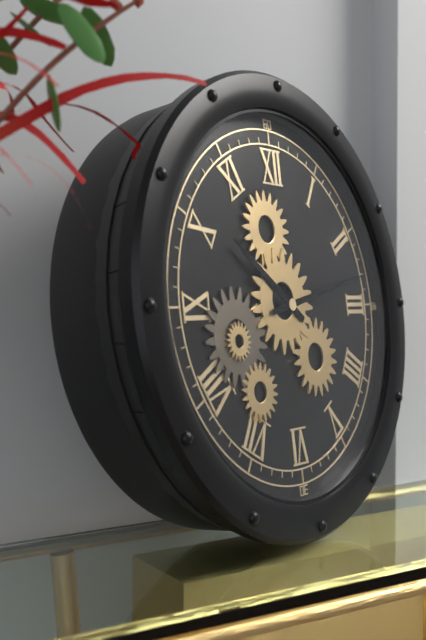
10:13
